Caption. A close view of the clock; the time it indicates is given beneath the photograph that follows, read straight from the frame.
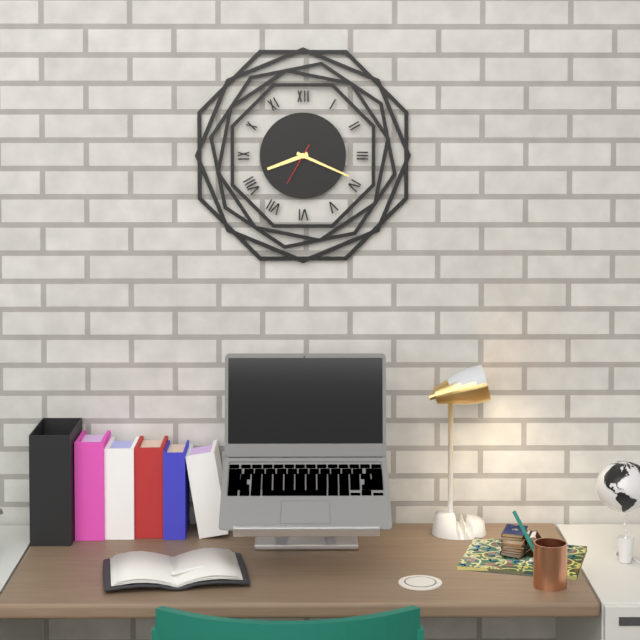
8:19
